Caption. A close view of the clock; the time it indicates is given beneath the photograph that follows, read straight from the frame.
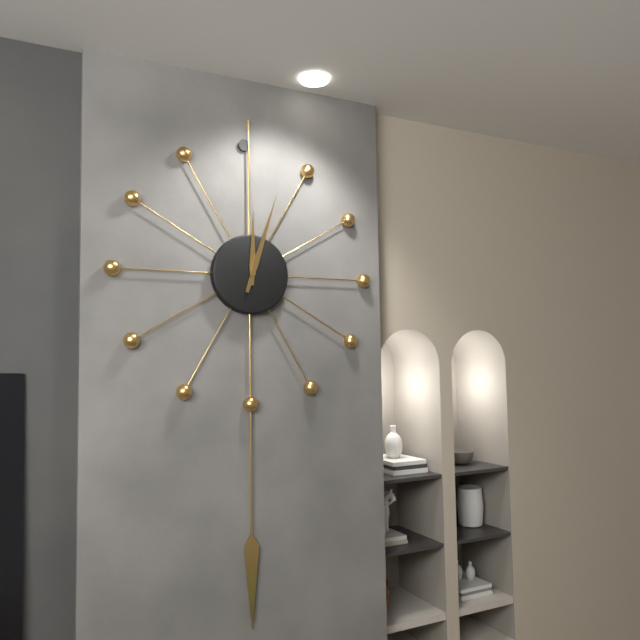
12:03
